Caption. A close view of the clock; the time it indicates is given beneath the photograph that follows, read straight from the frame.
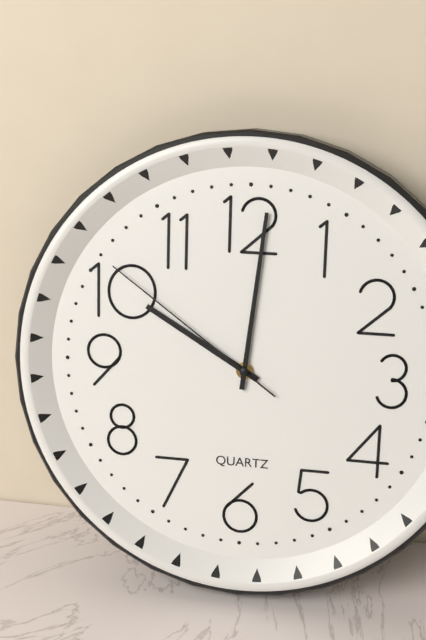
10:01:51
